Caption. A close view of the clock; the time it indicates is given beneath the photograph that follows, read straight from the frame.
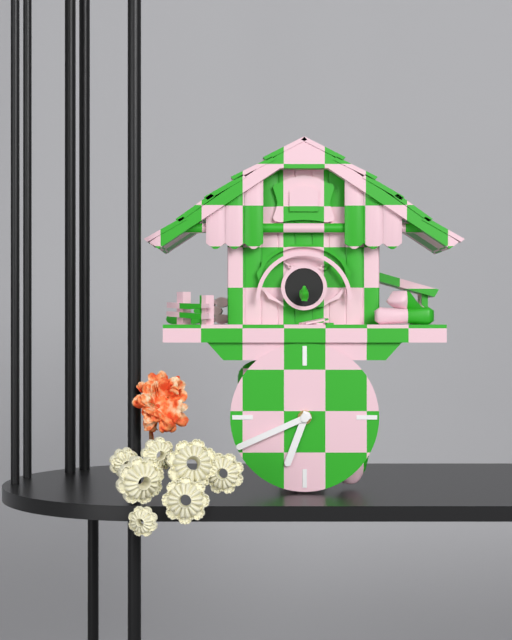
6:41
